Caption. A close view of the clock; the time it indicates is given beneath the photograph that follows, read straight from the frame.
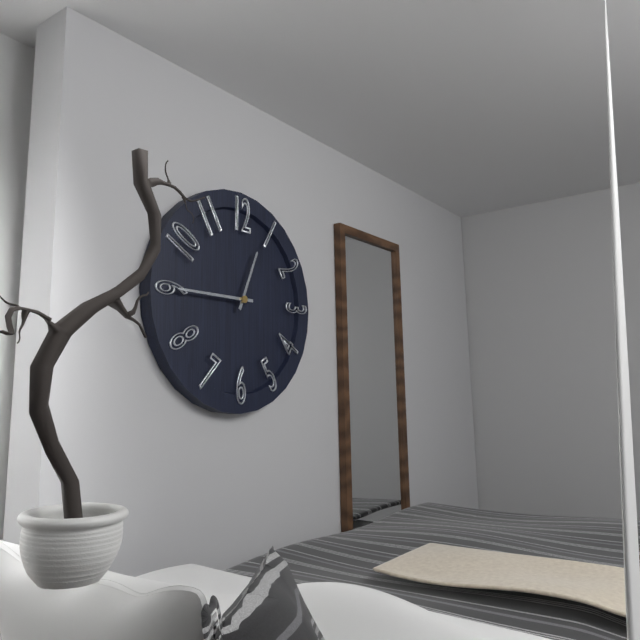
12:45
